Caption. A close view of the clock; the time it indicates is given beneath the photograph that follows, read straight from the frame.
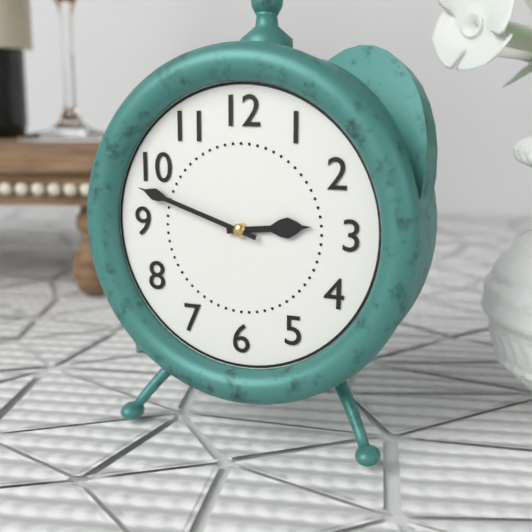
2:48
